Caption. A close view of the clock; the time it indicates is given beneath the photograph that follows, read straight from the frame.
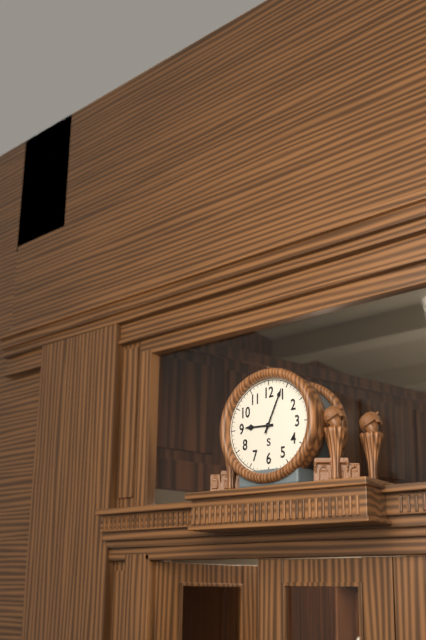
9:04
